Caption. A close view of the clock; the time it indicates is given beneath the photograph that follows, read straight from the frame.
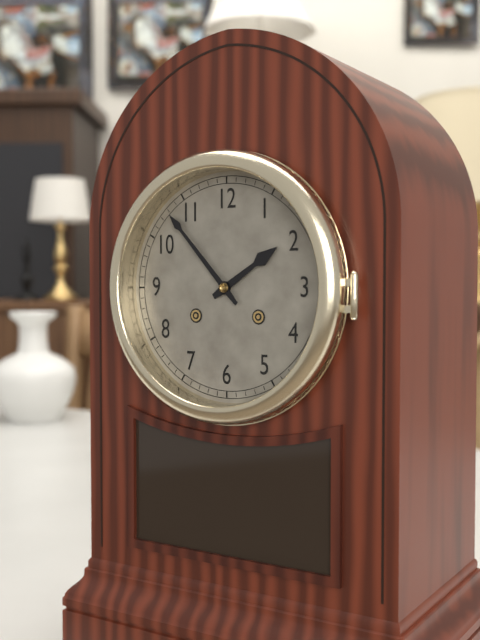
1:53
